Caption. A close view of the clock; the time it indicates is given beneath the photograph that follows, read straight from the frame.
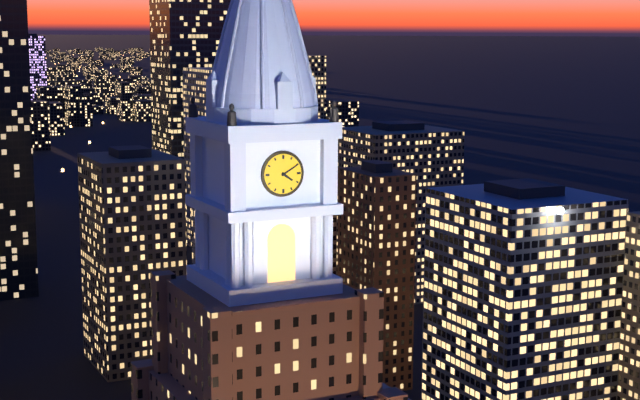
4:10
